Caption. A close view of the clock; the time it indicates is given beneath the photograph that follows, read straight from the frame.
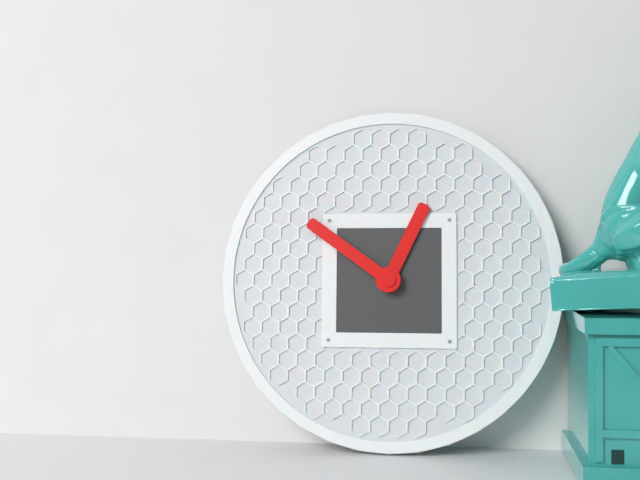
12:51
